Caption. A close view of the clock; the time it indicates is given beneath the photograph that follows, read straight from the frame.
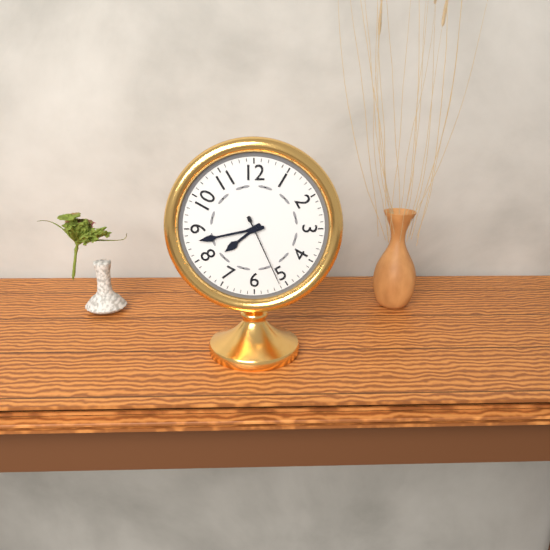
7:43:26
